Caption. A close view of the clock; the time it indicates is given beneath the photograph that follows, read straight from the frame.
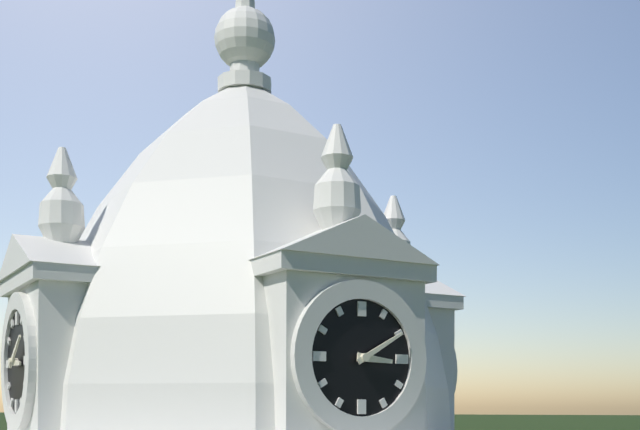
3:10
